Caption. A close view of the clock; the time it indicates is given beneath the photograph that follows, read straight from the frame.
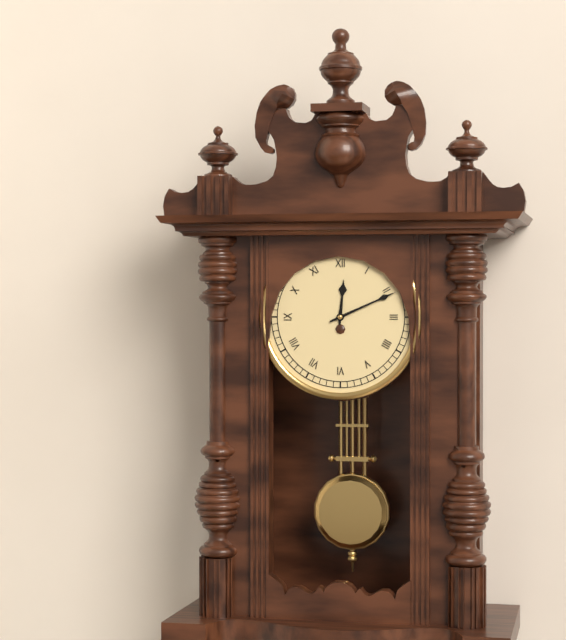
12:11
